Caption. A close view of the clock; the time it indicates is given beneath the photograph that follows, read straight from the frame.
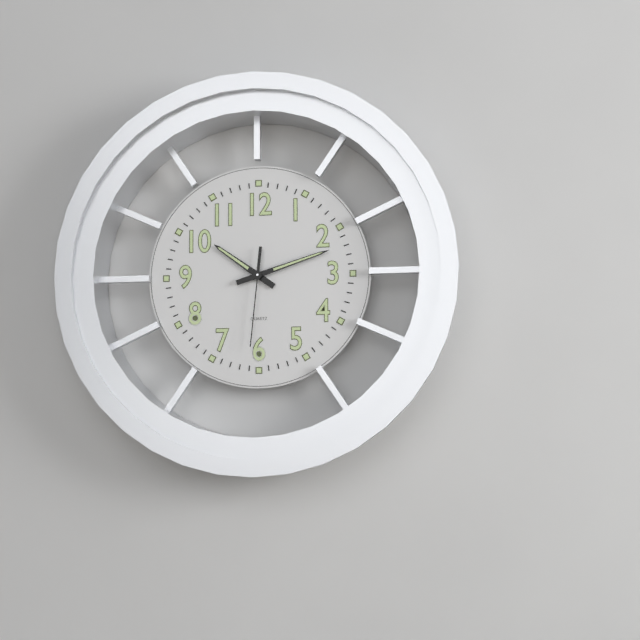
10:12:31
